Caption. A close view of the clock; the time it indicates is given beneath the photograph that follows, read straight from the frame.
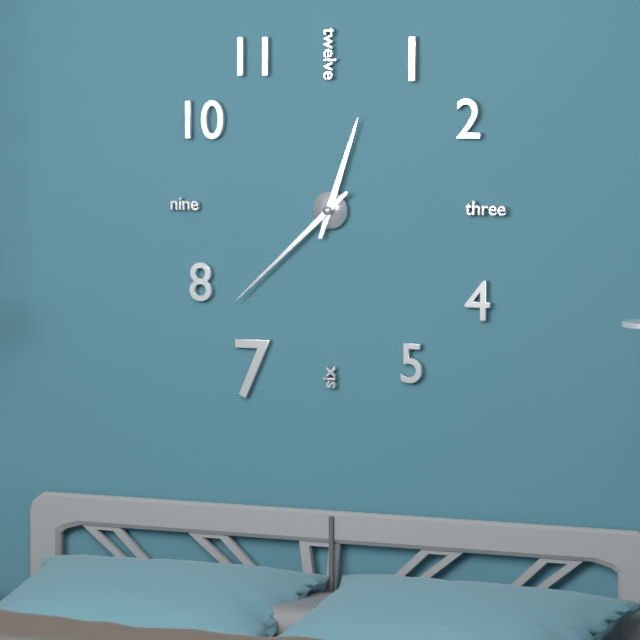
12:38
